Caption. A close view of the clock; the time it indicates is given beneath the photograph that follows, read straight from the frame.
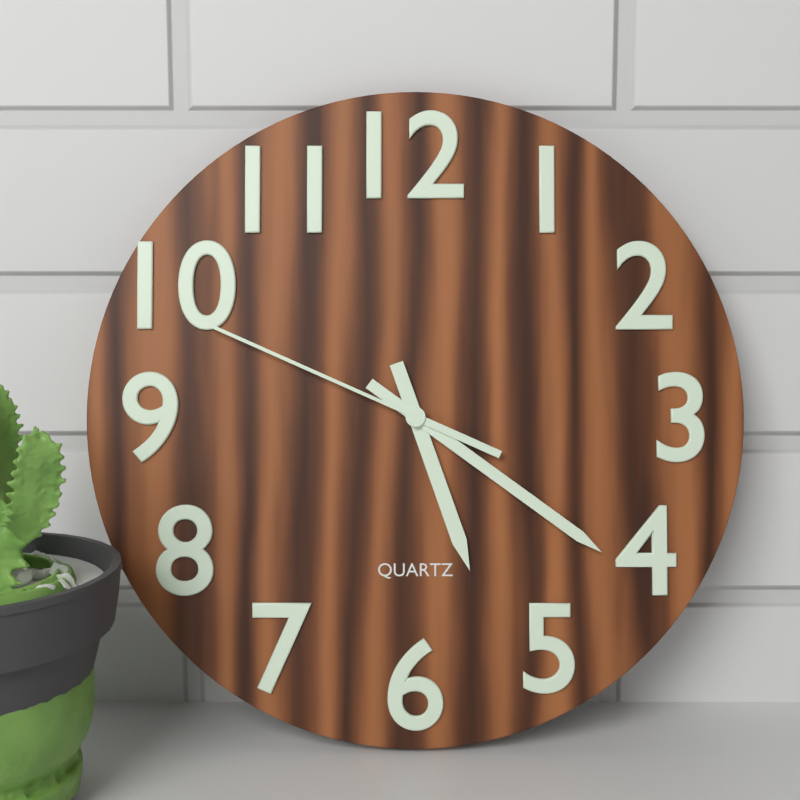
5:21:49
